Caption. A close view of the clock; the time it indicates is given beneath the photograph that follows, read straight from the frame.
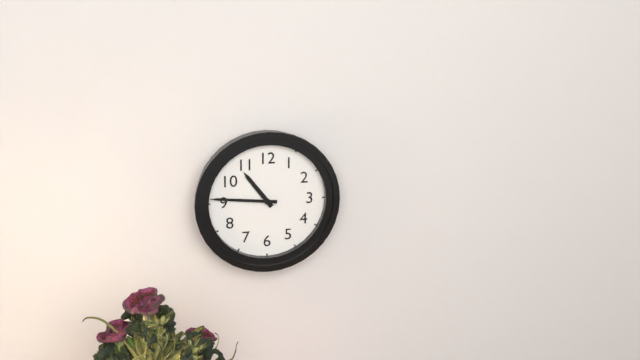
10:46
